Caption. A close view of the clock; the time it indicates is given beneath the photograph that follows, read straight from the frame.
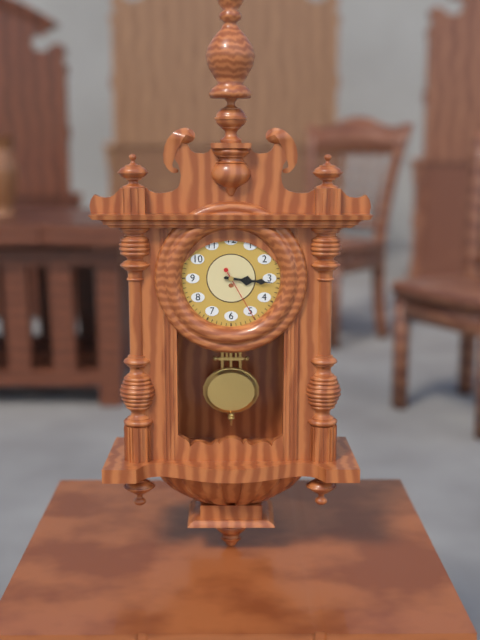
3:16:25
